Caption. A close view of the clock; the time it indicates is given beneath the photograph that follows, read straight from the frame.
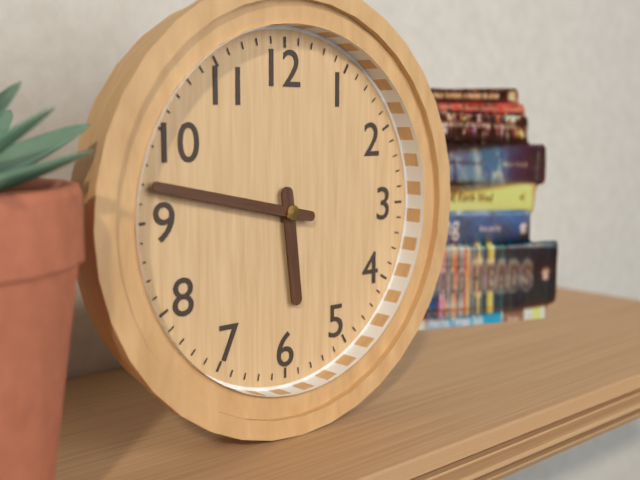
5:47
